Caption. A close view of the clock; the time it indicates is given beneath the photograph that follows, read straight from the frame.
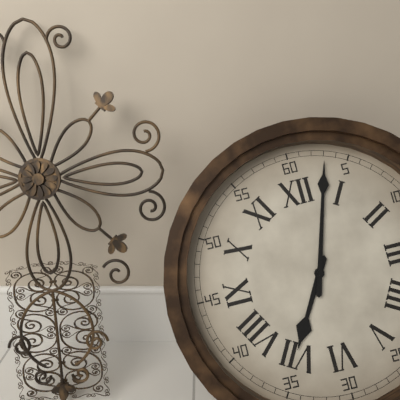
7:03
